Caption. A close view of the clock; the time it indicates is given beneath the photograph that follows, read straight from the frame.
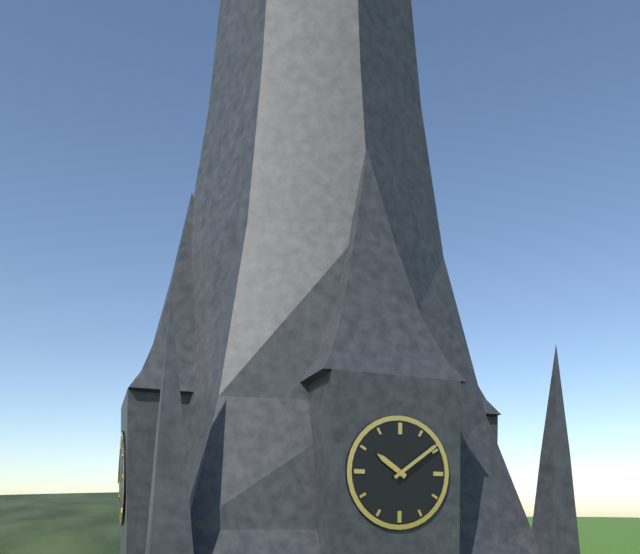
10:09
